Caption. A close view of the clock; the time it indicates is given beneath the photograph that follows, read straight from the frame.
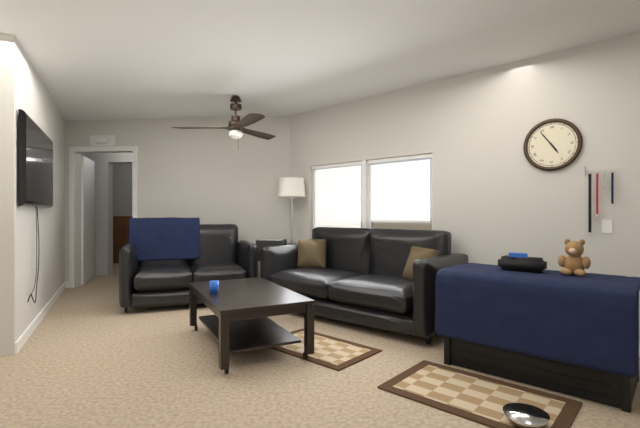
4:54
